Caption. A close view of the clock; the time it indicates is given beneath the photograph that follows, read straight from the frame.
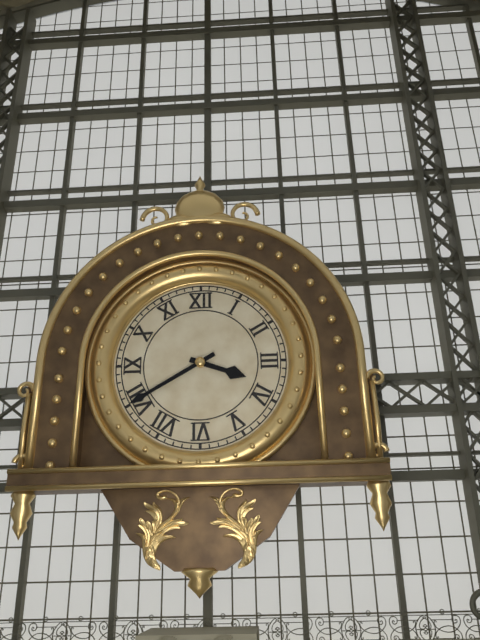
3:40
